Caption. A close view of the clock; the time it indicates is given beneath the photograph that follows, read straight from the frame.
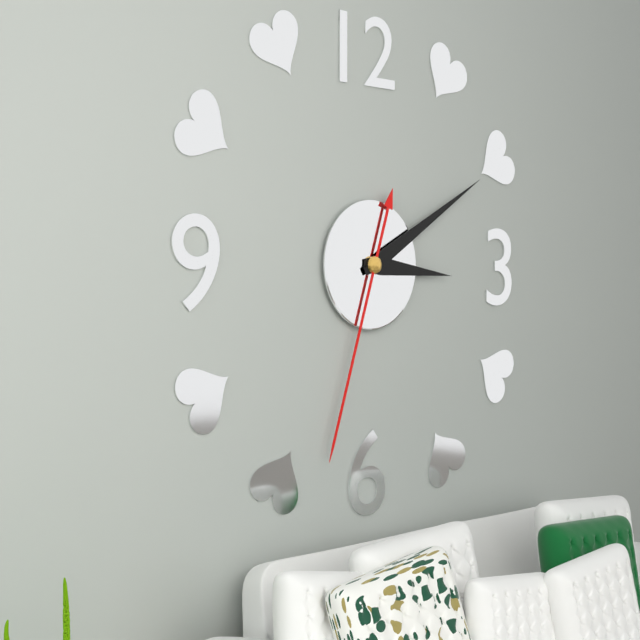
3:10:33
